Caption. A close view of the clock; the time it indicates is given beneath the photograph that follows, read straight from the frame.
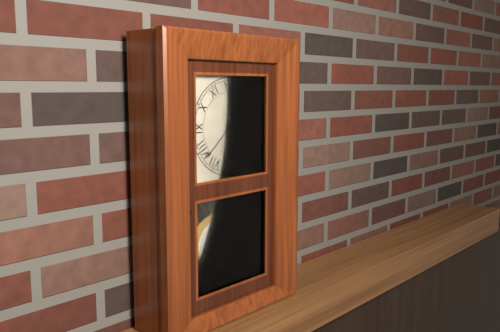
5:38
